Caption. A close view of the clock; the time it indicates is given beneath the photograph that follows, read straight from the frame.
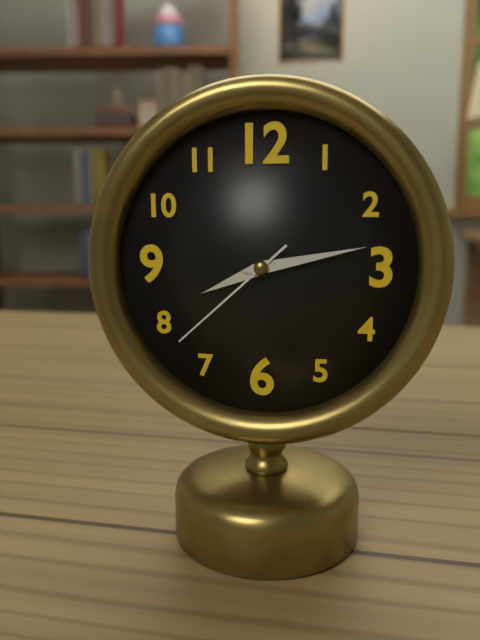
8:13:38
